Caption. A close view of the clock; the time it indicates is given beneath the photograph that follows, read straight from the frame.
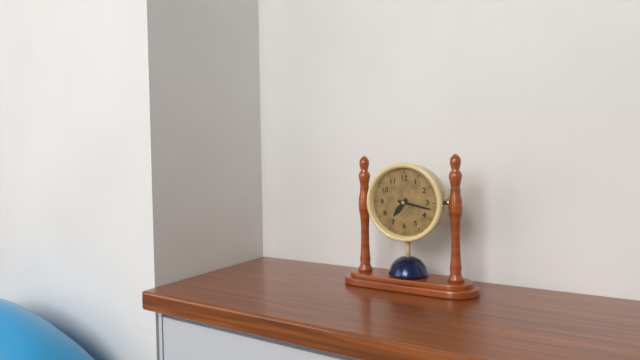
7:17
